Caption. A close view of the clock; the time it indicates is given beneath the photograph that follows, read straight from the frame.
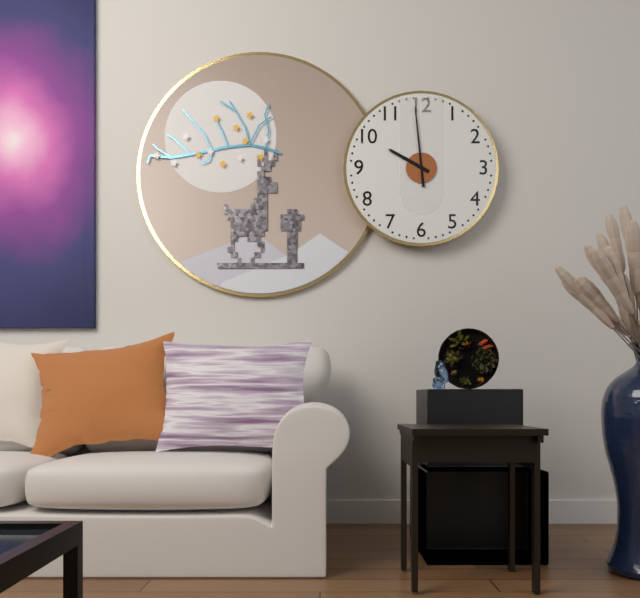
9:59
